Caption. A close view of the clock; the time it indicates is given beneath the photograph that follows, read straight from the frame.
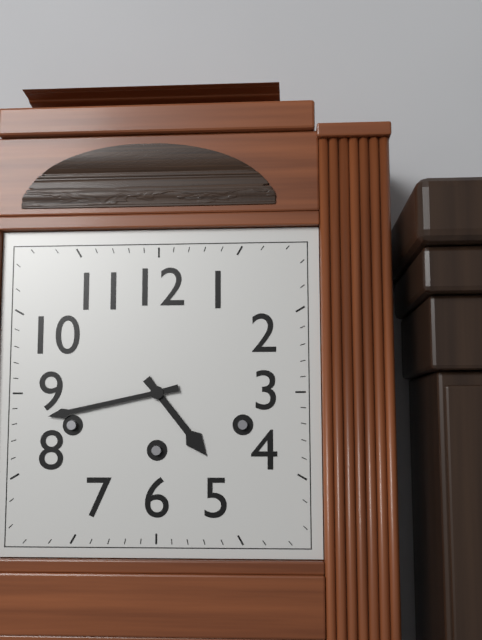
4:43
